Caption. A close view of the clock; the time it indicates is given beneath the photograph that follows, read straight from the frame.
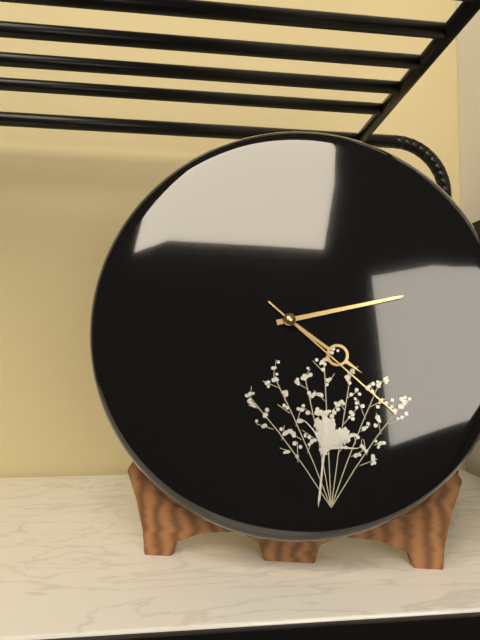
4:13:22
